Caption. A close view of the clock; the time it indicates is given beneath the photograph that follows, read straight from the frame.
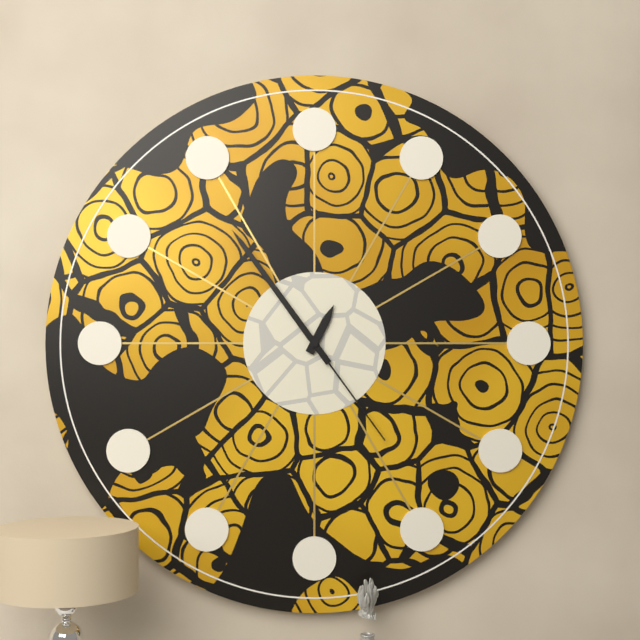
12:54:24
